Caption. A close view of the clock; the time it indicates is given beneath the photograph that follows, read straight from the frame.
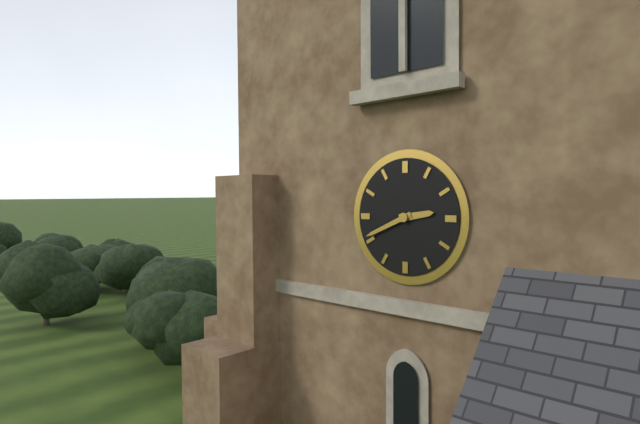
2:41
